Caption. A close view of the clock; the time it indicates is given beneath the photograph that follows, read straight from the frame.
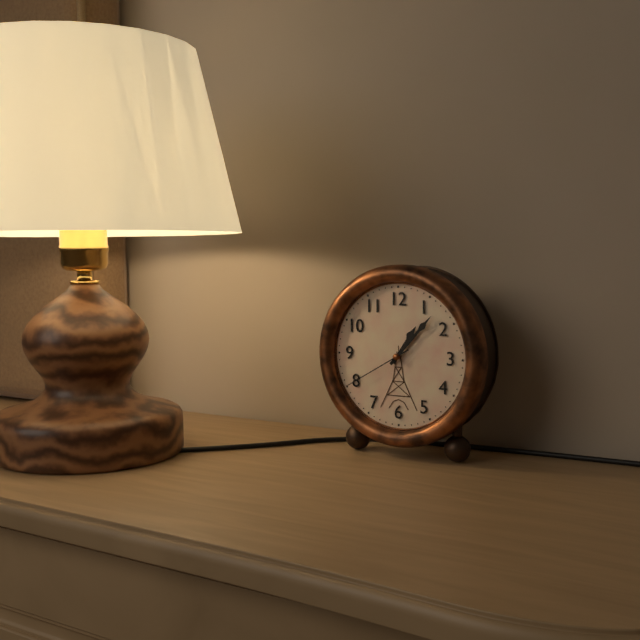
1:07:40
